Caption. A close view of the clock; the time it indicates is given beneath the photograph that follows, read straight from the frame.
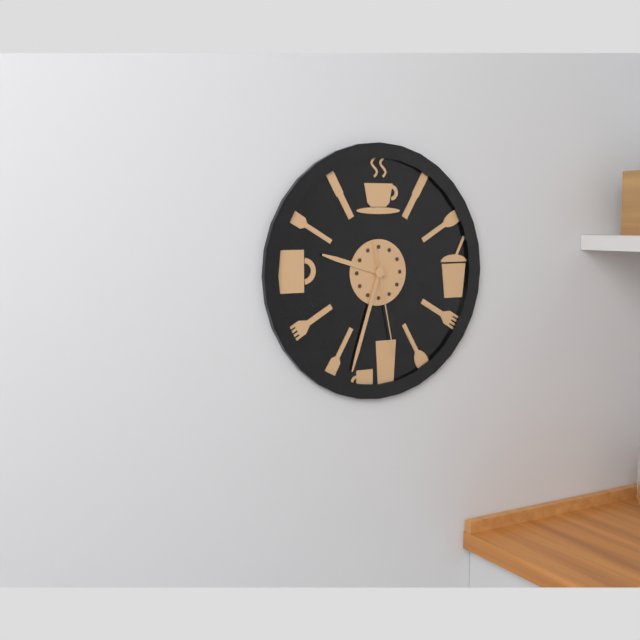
9:33:28
